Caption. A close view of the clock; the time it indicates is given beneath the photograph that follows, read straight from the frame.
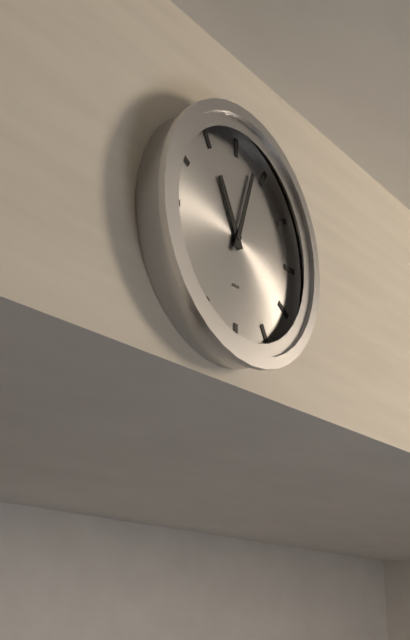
11:03
